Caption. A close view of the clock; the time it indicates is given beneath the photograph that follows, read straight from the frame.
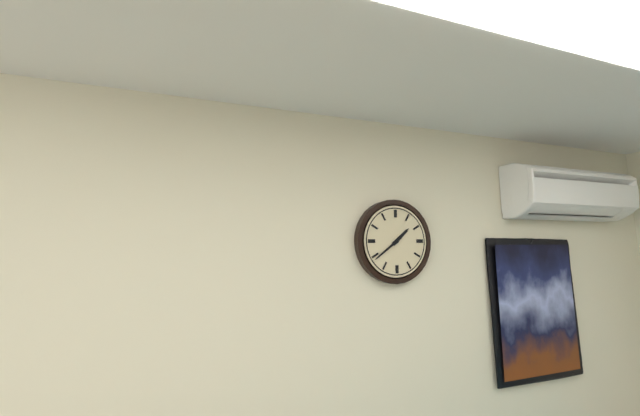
1:39
